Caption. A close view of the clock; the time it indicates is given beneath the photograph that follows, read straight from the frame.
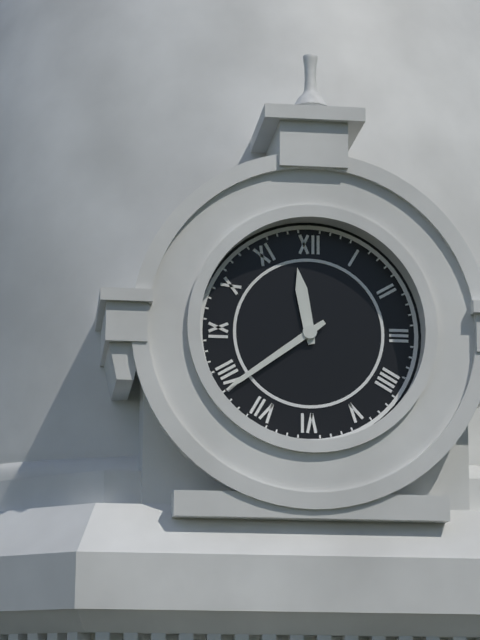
11:39
